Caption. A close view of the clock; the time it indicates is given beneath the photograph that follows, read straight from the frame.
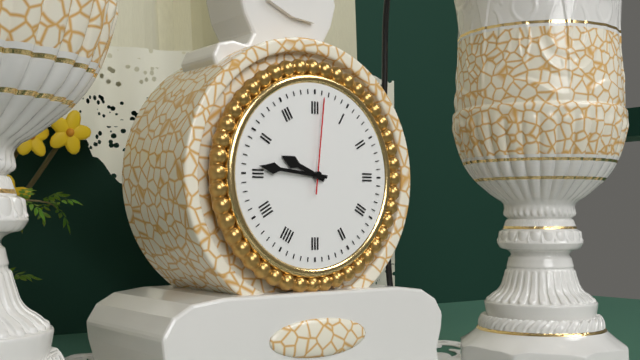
9:46:01
